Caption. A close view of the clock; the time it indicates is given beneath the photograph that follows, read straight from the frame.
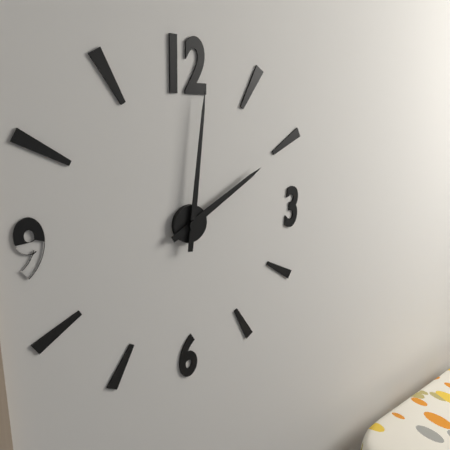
2:01
